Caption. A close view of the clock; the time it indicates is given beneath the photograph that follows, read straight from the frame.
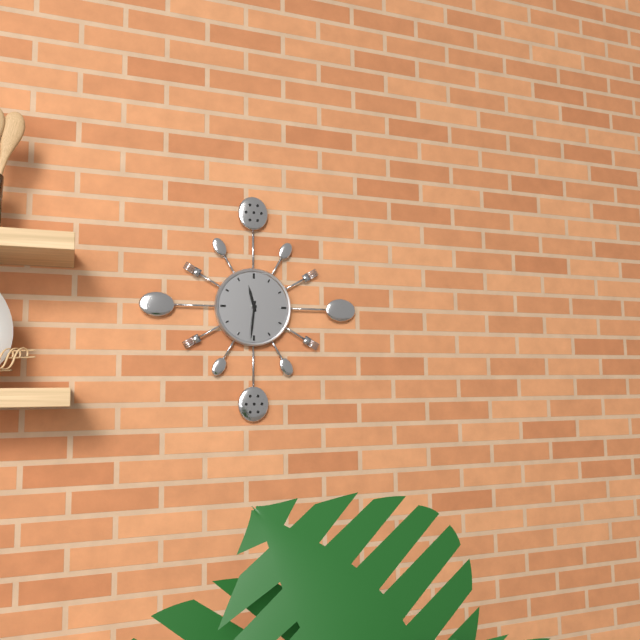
11:31
